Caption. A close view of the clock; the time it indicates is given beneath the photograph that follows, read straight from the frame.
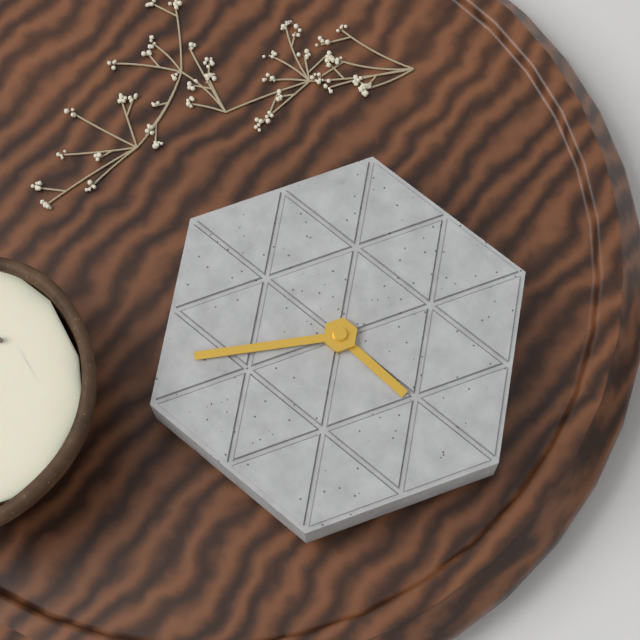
9:07
